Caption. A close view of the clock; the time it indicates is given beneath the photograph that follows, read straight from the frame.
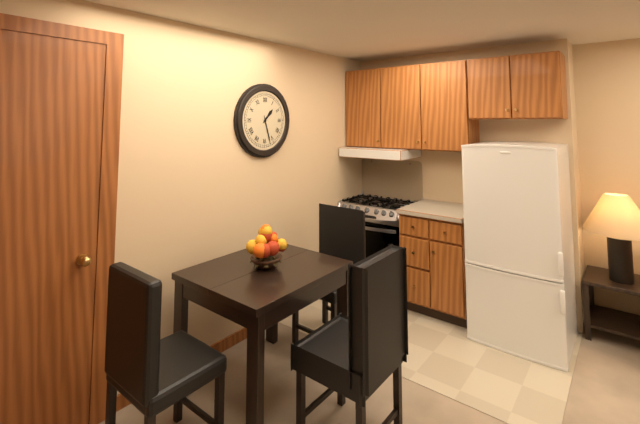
1:27
